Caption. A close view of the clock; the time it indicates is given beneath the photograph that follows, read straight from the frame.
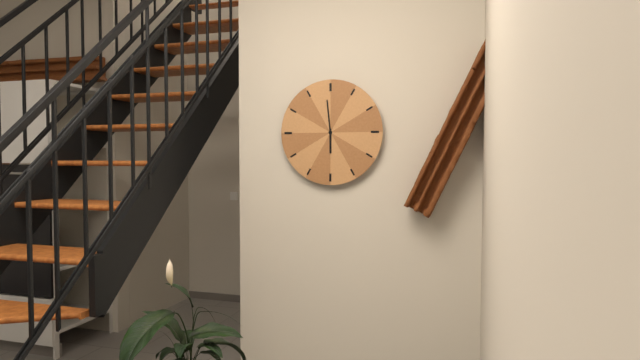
5:59
